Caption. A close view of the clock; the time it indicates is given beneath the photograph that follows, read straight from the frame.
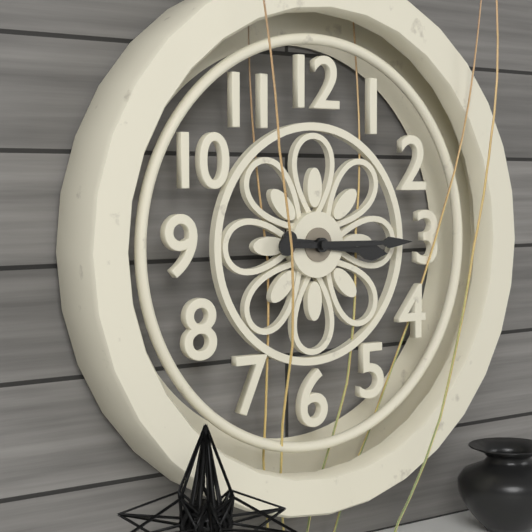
3:15
